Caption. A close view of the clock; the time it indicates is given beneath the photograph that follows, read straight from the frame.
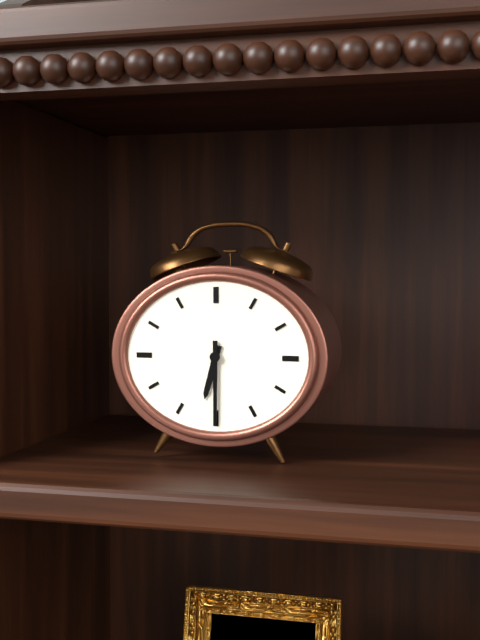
6:30
